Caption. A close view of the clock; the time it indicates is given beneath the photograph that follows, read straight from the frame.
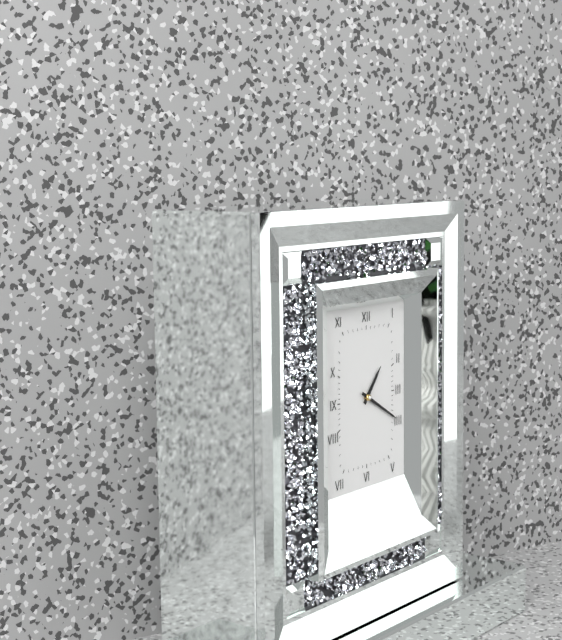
1:20
